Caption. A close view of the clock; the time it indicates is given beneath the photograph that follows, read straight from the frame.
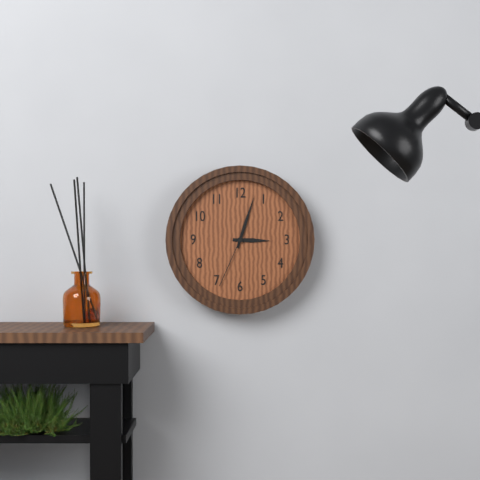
3:03:34
